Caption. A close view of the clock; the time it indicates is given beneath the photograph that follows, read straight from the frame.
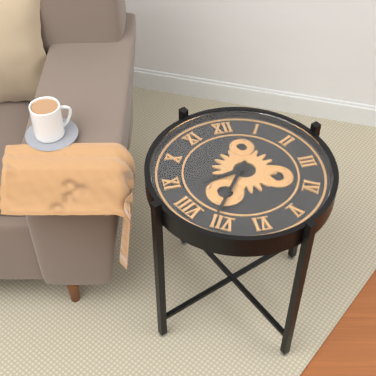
8:36
